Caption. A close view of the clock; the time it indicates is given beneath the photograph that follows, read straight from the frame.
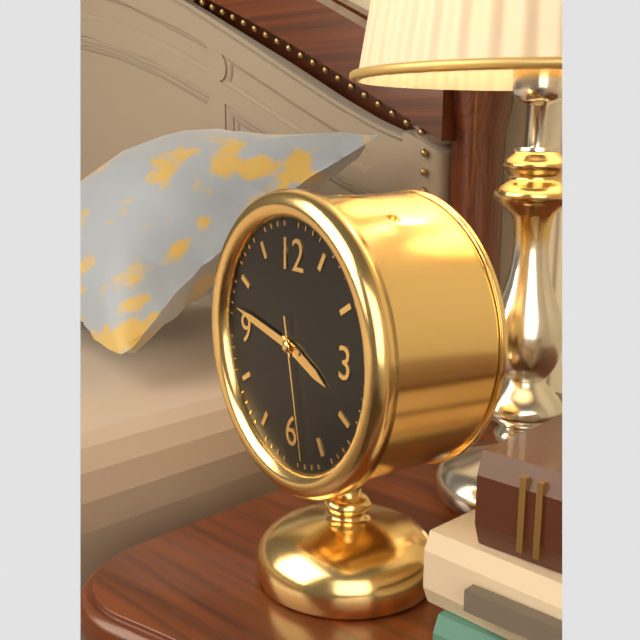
3:47:28
